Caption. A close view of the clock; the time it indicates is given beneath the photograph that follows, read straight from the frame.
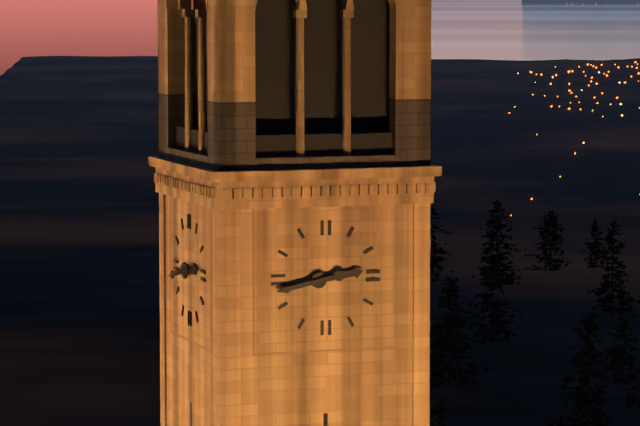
2:43
